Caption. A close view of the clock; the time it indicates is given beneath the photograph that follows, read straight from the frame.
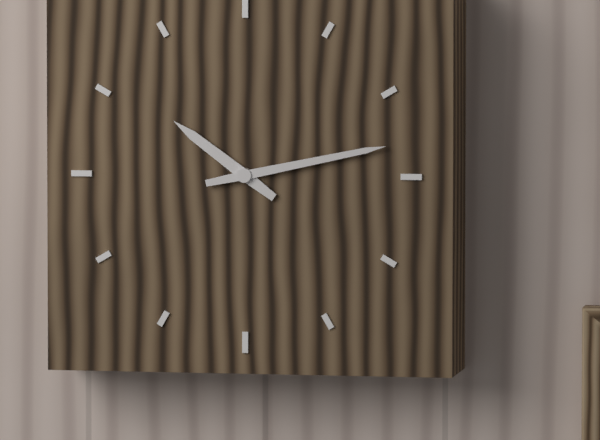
10:13
